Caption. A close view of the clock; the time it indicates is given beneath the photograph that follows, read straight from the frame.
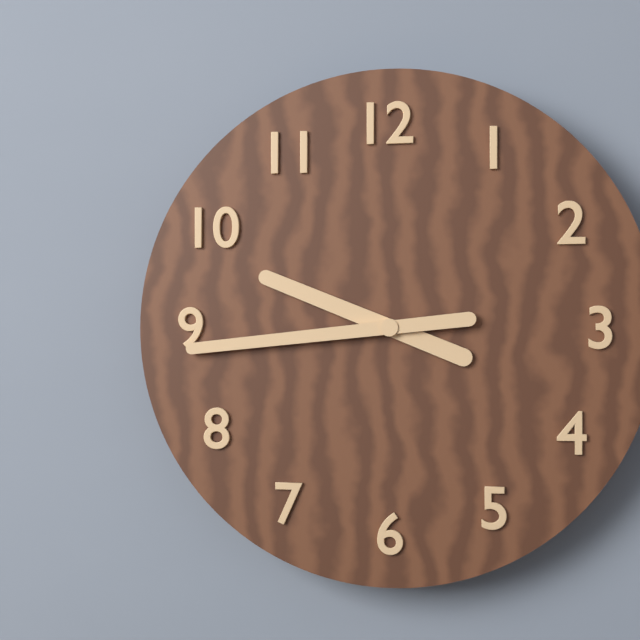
9:44
